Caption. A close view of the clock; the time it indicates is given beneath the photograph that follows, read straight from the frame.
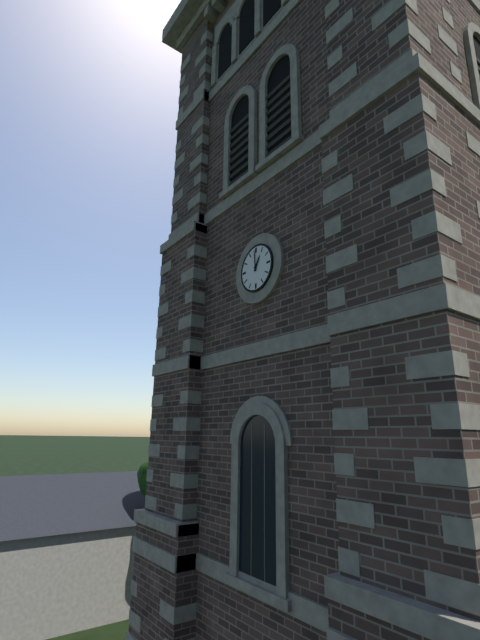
12:59
